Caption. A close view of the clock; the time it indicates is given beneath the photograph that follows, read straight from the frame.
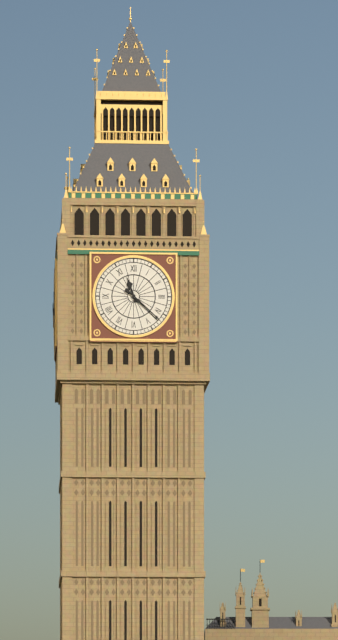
11:22
